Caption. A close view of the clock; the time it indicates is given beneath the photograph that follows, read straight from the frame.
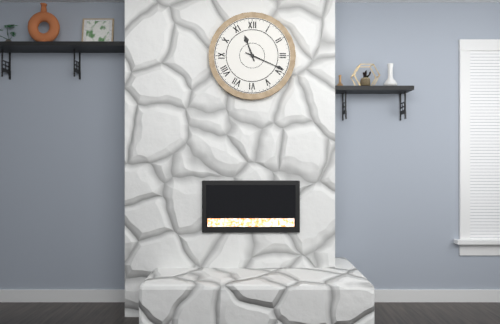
11:19
